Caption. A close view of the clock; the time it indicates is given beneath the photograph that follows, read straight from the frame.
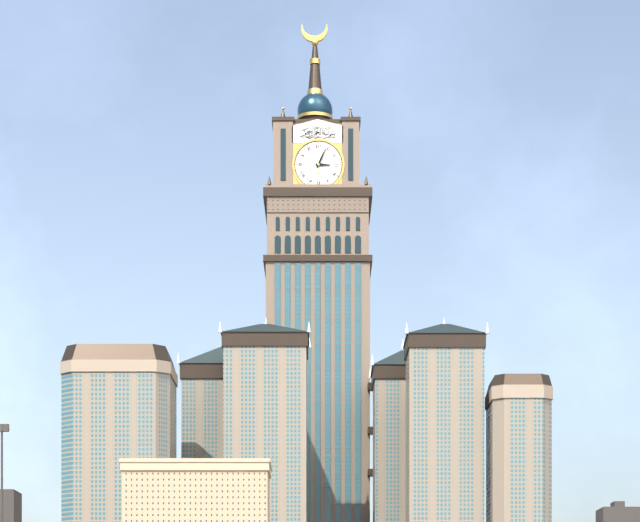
3:04
